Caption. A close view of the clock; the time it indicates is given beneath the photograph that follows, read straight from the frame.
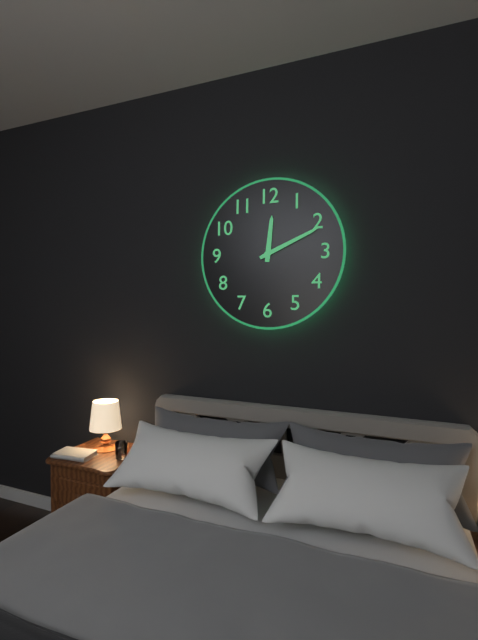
12:11
